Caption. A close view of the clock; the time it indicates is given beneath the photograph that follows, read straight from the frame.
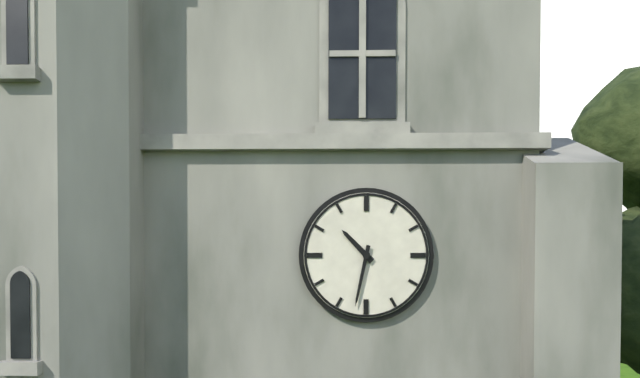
10:32
